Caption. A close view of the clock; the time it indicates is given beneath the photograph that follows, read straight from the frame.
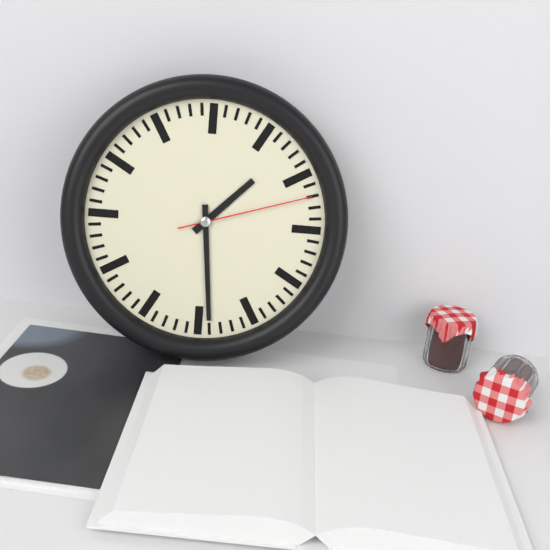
1:29:12
